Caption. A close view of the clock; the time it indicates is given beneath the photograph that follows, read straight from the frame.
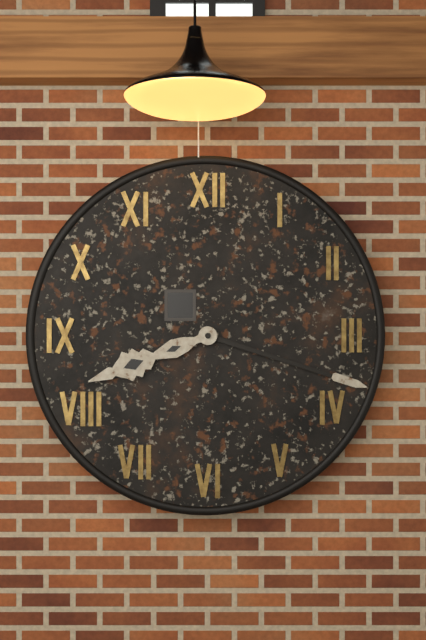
8:18
